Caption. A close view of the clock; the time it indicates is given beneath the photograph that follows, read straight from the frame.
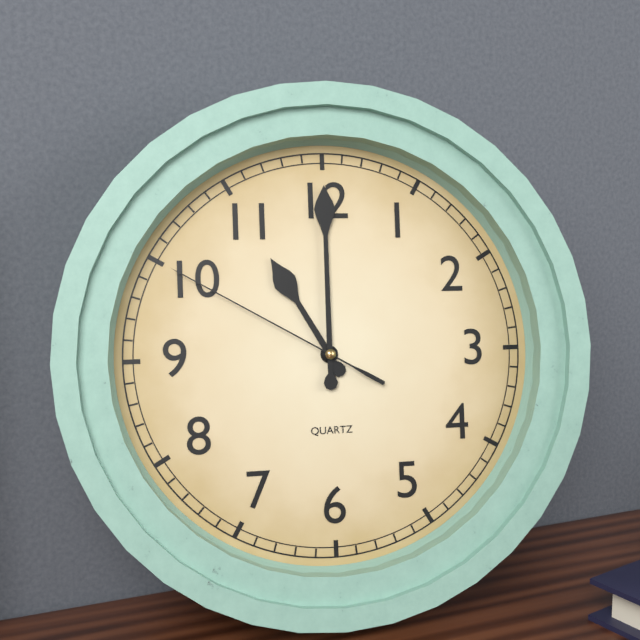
11:00:50
